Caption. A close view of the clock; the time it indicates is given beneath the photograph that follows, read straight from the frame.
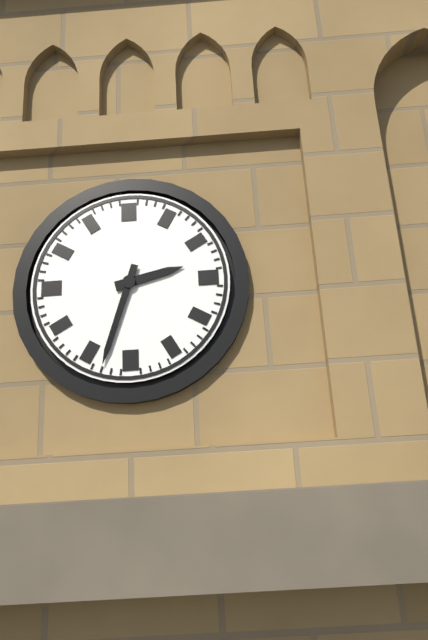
2:33
